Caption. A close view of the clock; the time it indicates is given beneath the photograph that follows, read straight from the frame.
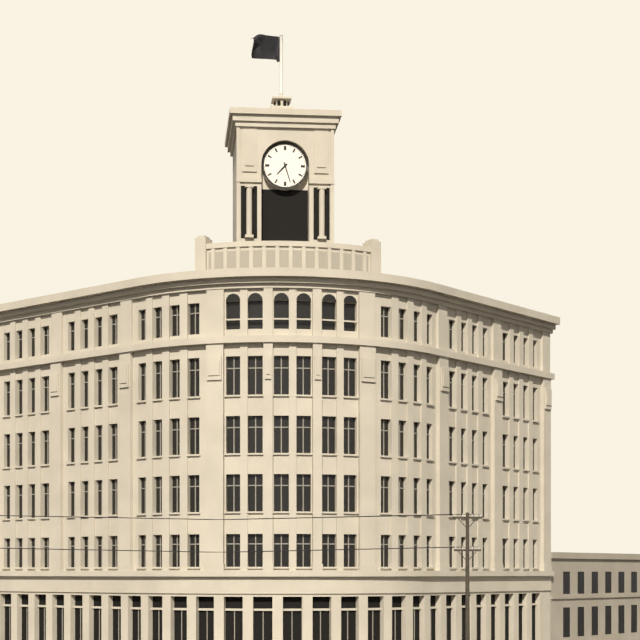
7:27
